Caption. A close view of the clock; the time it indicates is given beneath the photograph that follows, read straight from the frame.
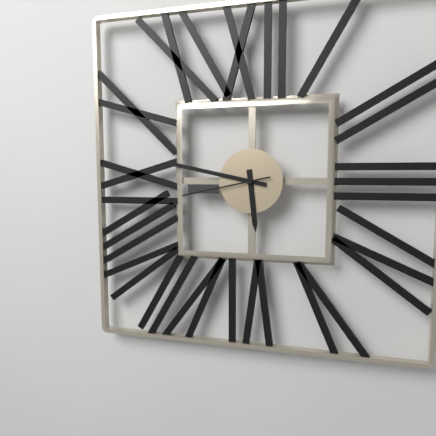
5:47:43
